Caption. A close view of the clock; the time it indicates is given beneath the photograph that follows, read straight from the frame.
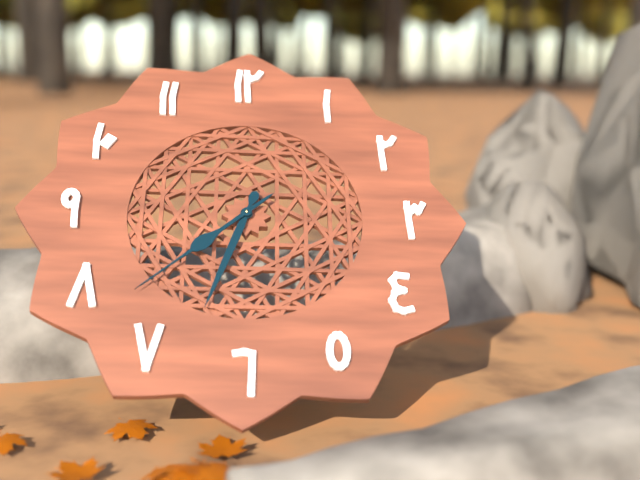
6:38
